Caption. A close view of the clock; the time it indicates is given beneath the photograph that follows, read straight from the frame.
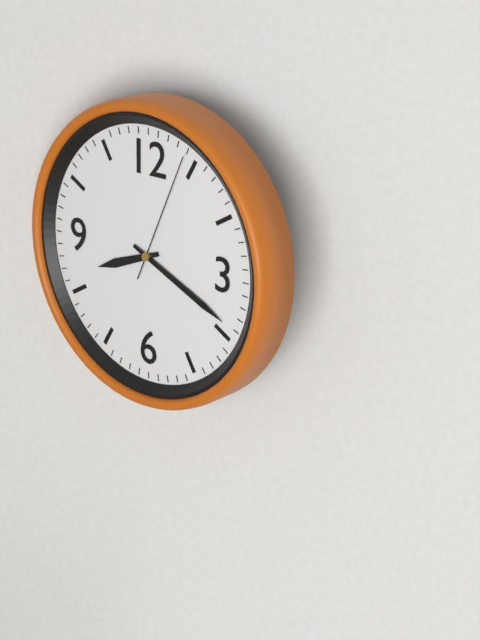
8:19:04
